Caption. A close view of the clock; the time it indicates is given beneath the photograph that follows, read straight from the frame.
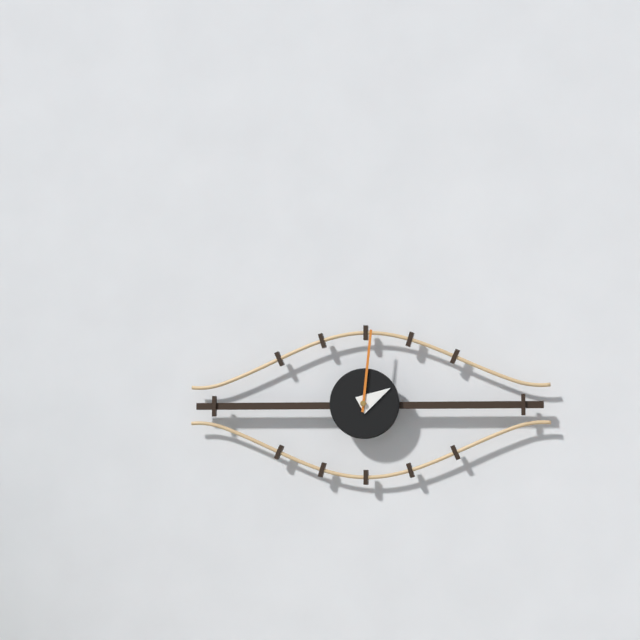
2:01
